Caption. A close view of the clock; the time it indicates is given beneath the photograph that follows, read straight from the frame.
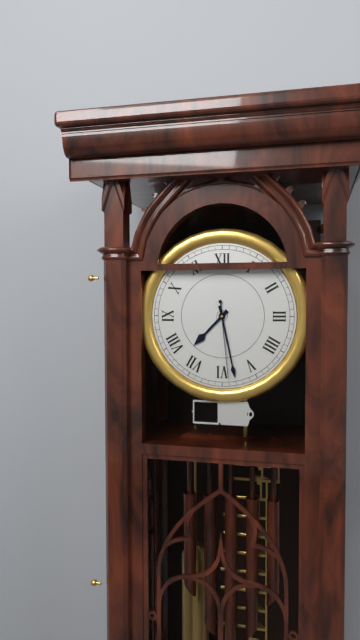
7:28:29
